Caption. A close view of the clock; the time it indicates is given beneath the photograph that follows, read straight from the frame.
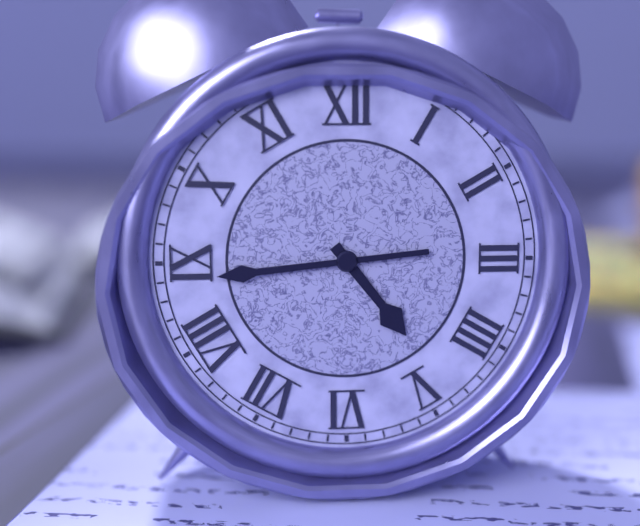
4:44
